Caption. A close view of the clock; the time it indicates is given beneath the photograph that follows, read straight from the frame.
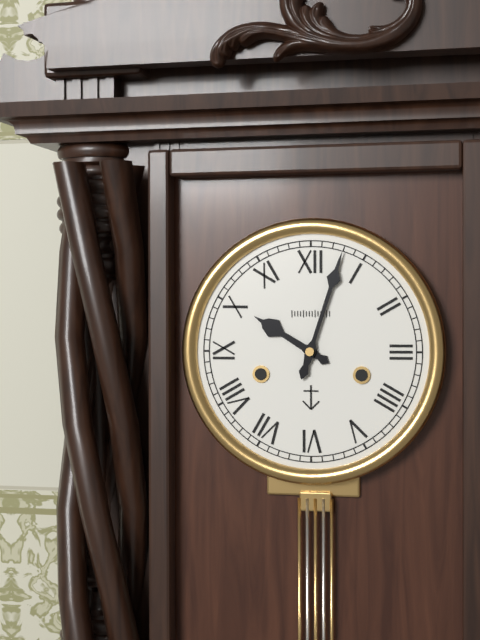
10:03
